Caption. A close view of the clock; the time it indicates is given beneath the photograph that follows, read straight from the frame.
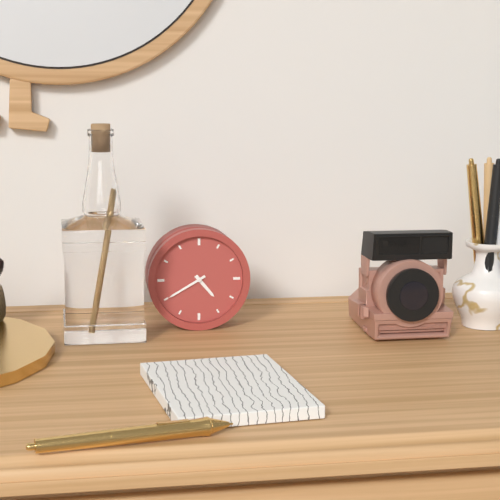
4:40
